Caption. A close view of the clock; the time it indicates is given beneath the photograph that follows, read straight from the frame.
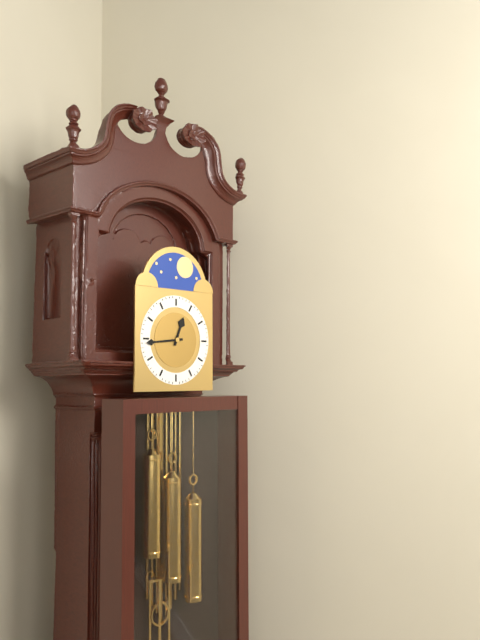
12:44
